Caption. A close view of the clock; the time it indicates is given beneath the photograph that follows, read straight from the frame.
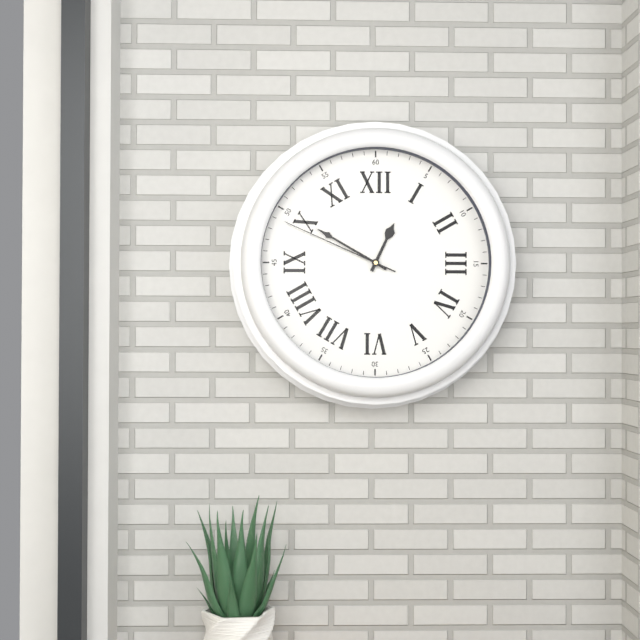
12:50:49
